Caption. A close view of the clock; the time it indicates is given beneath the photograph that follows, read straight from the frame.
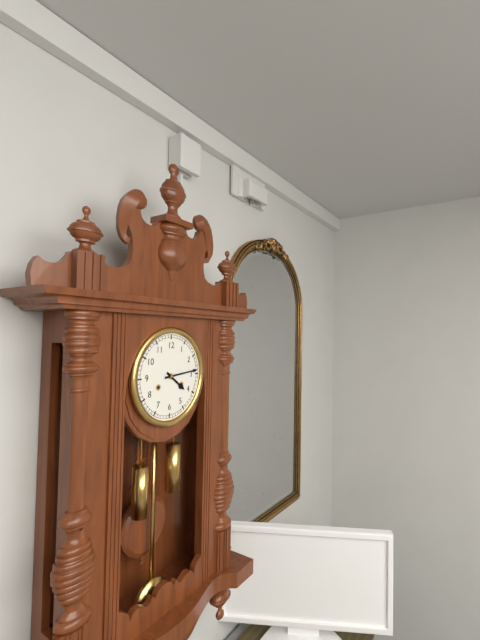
4:14
